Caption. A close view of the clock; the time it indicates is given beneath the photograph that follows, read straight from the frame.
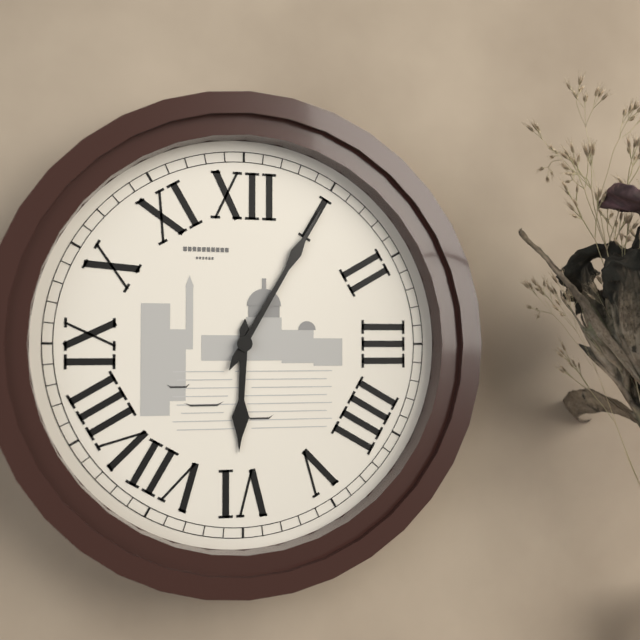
6:05
